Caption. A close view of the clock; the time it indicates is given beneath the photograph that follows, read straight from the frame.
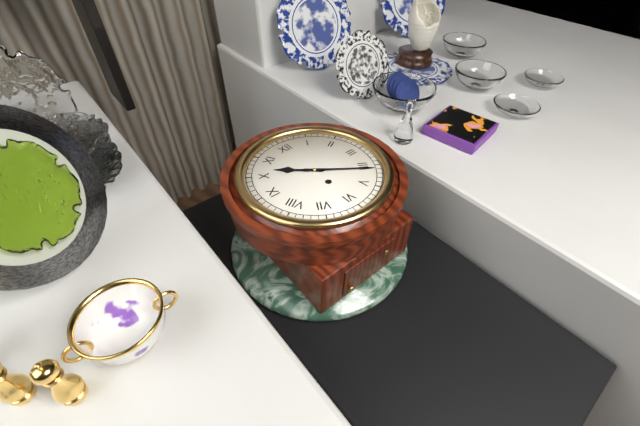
10:21
